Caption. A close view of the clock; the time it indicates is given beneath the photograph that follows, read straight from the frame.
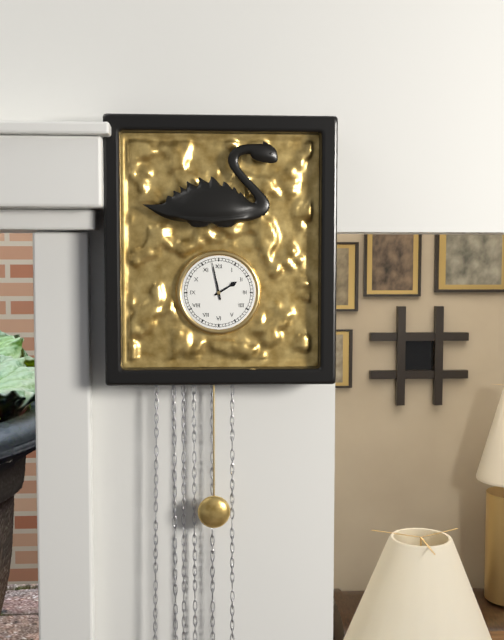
1:58
